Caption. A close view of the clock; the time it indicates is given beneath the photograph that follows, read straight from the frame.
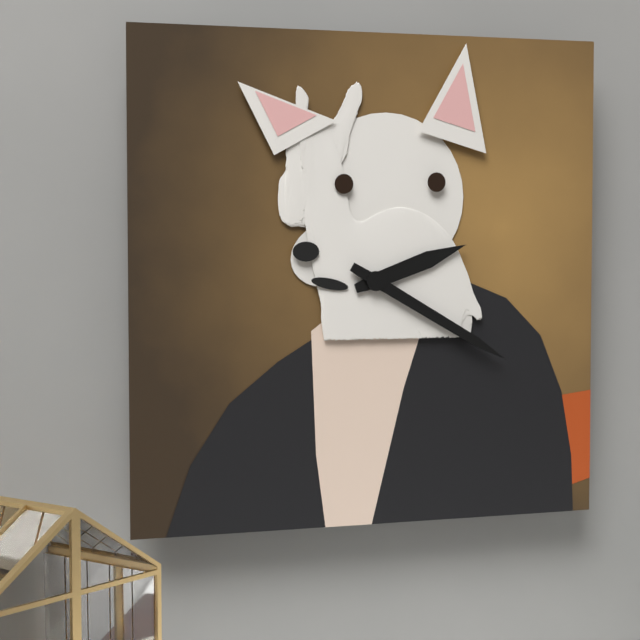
2:20
